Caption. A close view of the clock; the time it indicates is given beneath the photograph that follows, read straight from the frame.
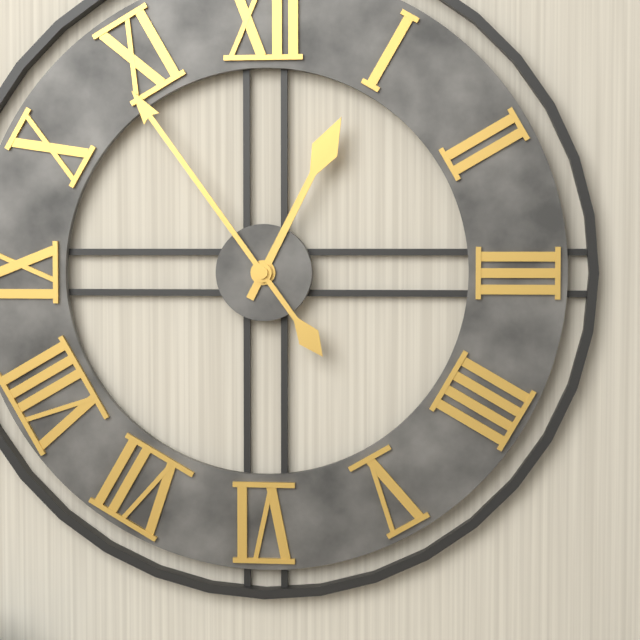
12:54
